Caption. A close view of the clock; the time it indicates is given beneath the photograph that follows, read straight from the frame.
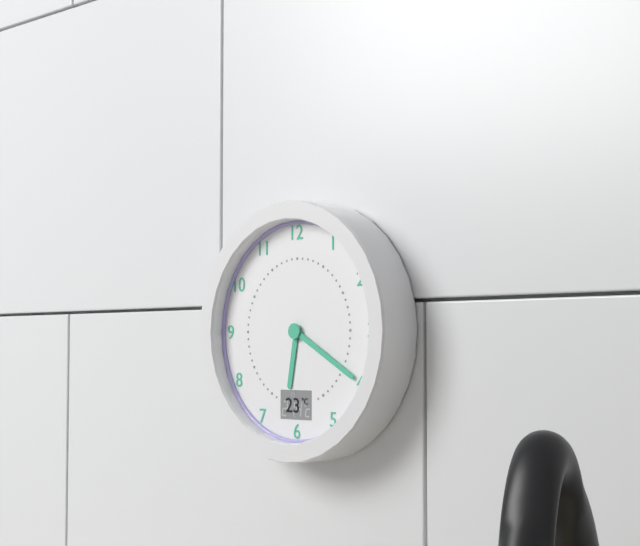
6:20
